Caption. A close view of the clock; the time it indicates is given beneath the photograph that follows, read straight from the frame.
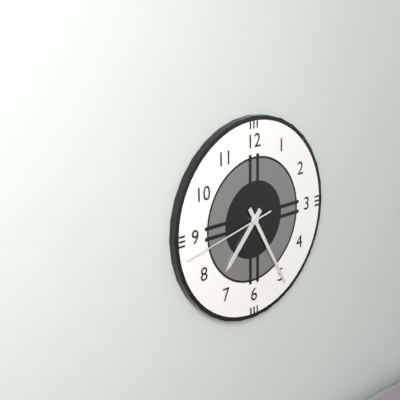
7:25:43
